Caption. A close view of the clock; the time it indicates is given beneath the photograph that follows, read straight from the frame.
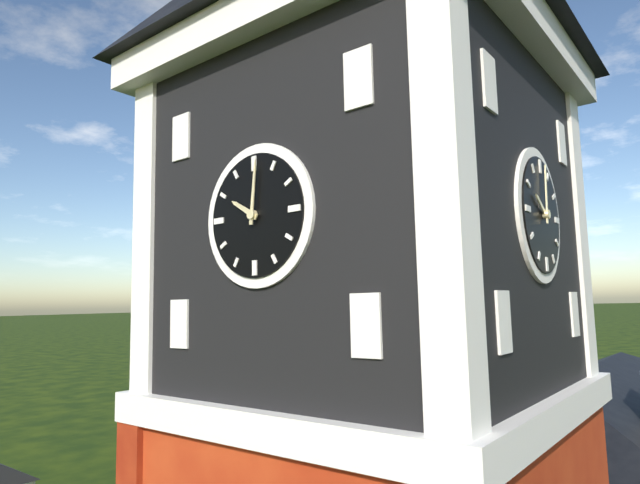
10:01
